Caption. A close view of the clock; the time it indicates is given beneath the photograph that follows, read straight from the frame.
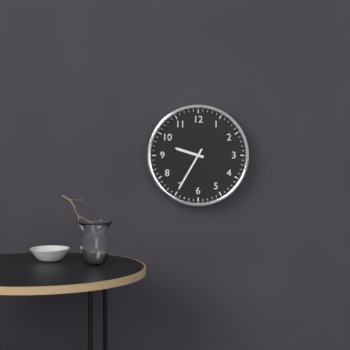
9:35
